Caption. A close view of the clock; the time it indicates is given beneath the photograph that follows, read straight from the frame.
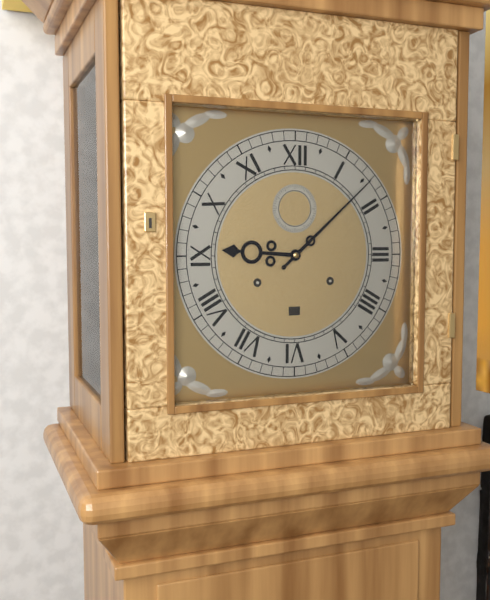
9:08
